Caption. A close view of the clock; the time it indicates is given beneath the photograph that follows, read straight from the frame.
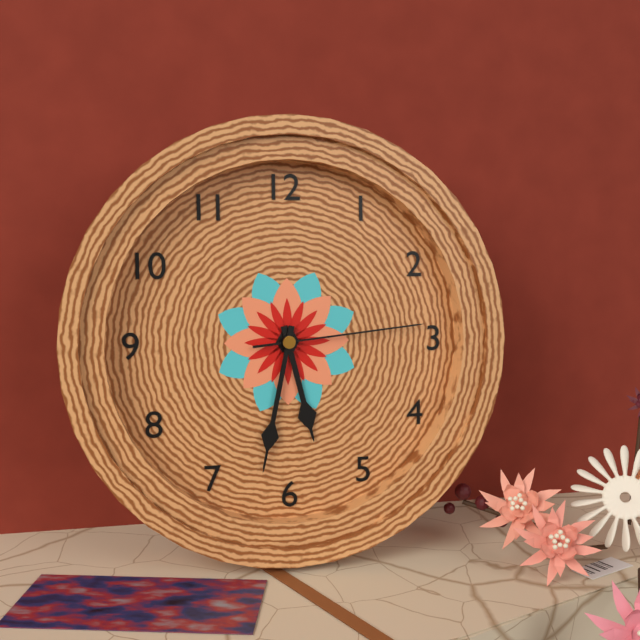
5:32:14
